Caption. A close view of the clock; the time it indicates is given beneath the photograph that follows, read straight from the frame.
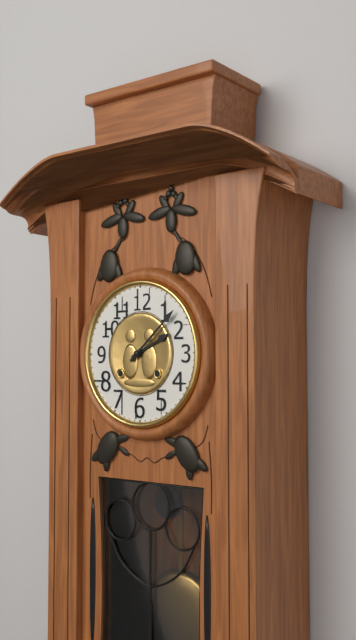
2:08
